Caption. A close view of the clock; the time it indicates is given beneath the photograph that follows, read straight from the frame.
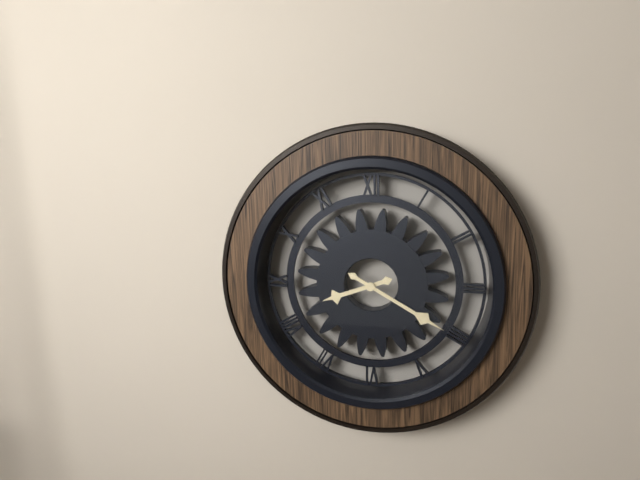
8:20
